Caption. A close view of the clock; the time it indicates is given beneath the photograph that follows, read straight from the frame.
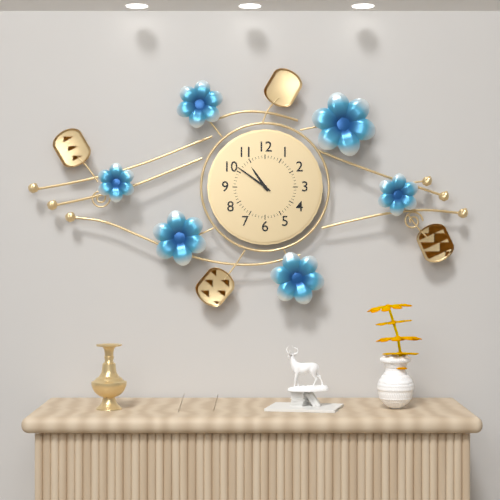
10:51
